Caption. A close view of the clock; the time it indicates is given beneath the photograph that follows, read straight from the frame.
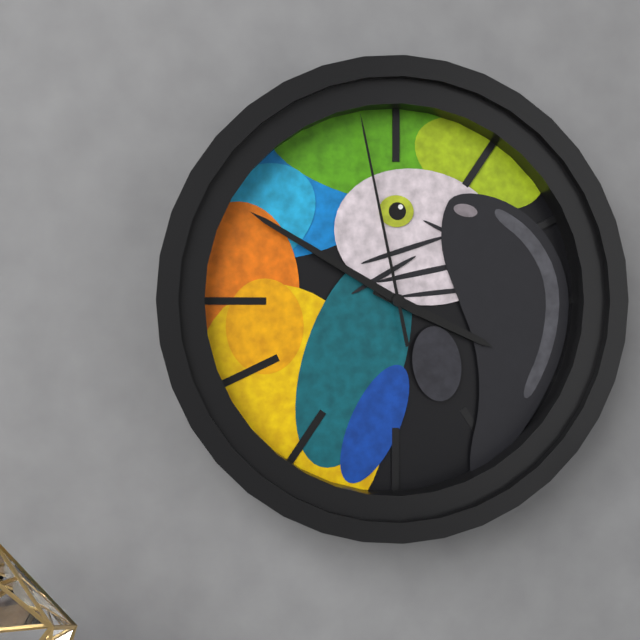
3:50:58
